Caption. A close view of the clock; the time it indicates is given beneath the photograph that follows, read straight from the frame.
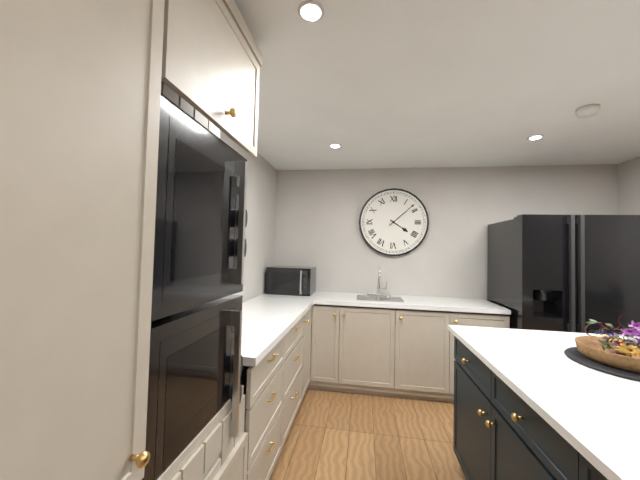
4:08
